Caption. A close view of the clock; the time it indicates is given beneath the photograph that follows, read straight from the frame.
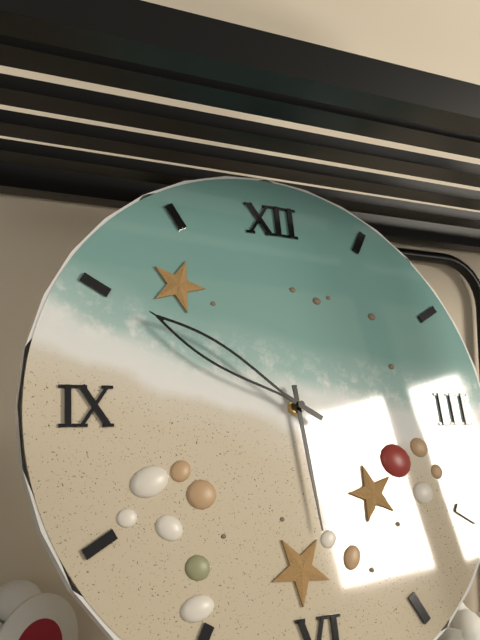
5:50
